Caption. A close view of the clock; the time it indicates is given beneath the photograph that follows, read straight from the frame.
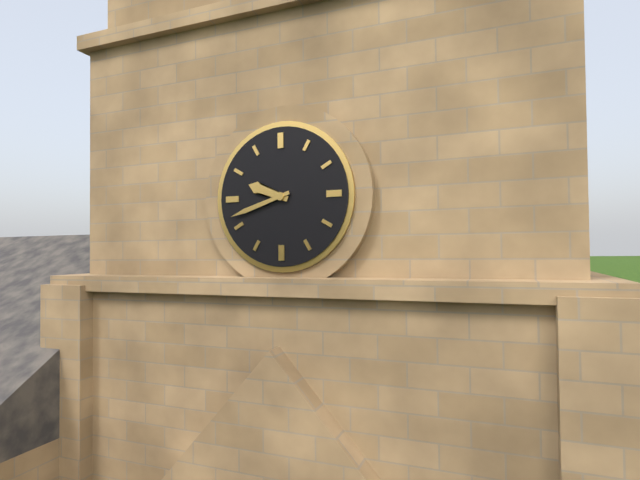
9:42
